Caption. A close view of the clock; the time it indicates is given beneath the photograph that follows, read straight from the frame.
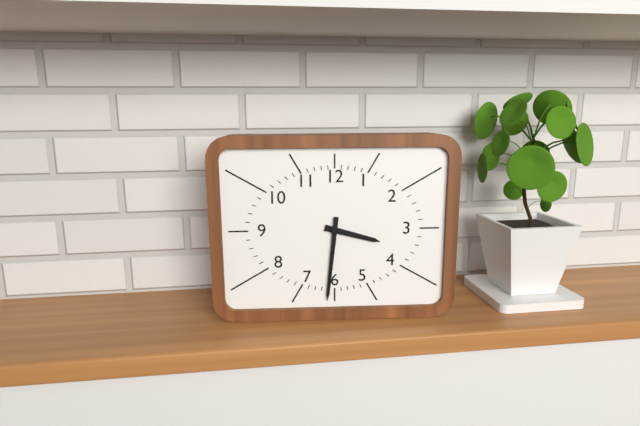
3:31
